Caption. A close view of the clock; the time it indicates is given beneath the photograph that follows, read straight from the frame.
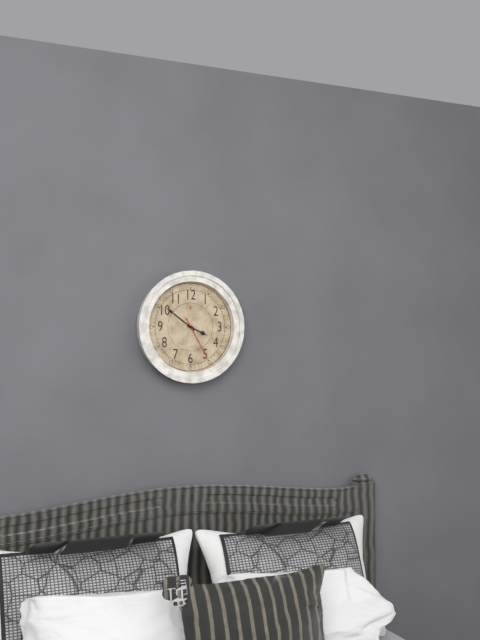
3:51
